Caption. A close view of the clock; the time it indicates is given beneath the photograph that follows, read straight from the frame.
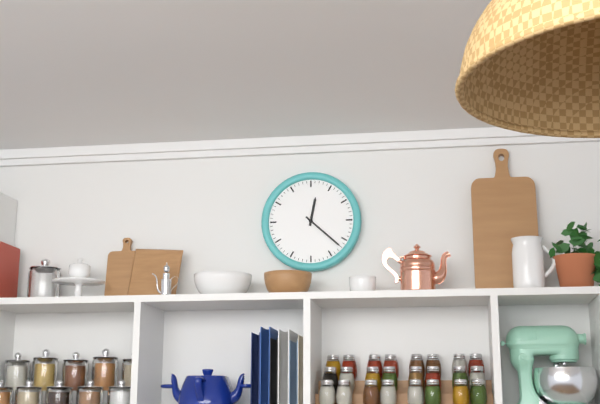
12:22
